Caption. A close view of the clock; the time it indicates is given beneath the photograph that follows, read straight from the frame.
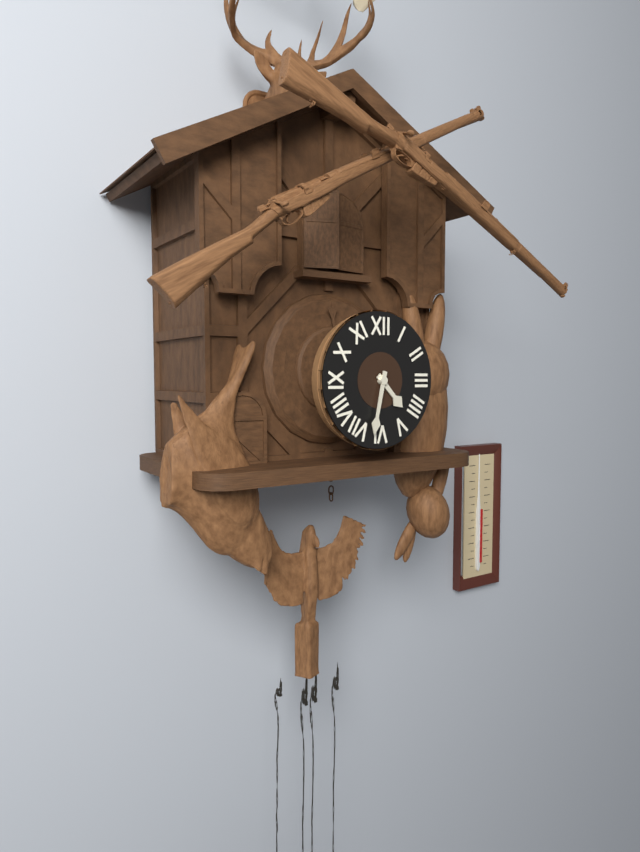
4:32
